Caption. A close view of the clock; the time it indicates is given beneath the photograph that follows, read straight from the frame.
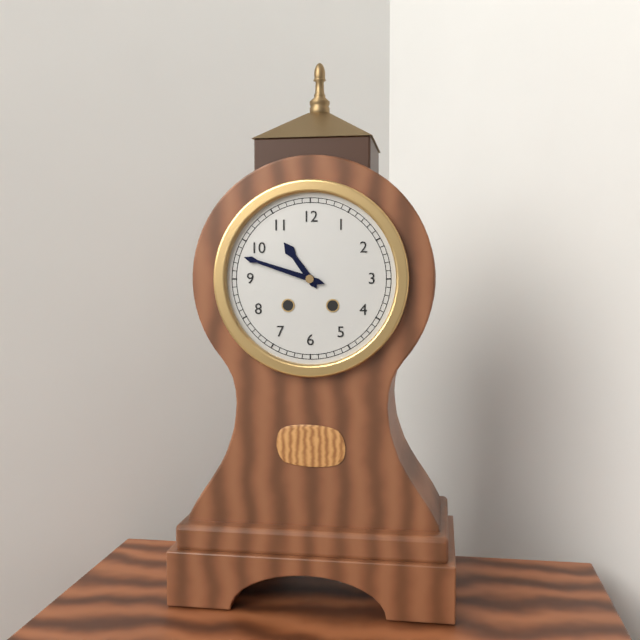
10:48
